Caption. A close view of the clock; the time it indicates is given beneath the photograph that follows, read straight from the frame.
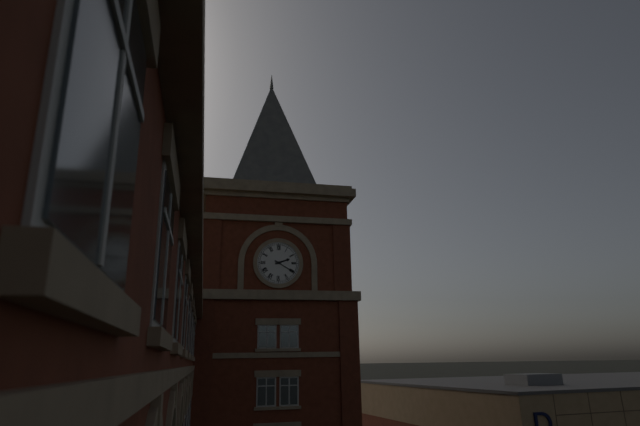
2:20
